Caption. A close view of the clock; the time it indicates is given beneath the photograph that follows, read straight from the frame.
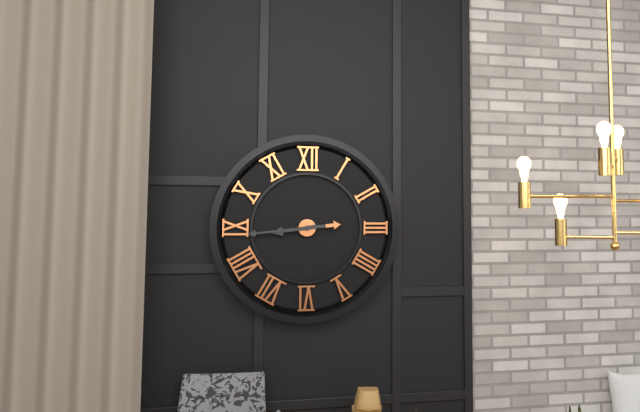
8:44
